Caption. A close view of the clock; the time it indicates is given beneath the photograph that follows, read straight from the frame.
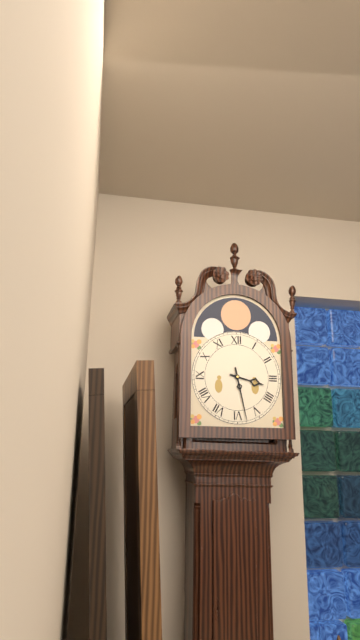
3:28
